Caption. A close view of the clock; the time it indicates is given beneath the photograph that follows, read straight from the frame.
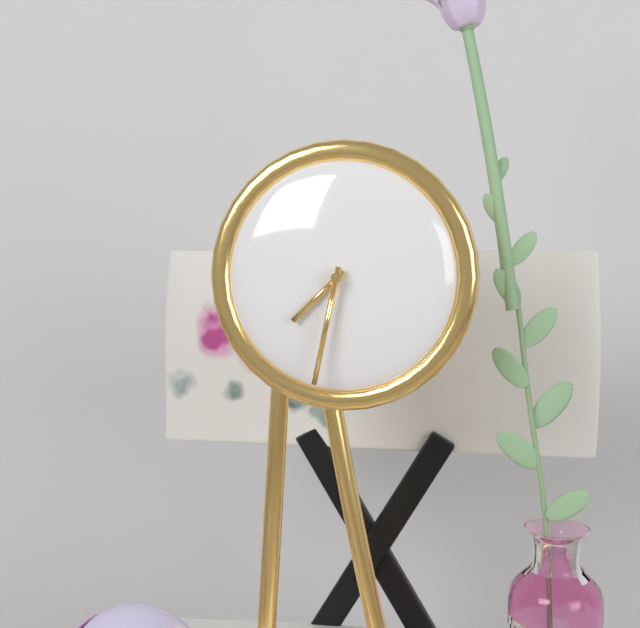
7:32
